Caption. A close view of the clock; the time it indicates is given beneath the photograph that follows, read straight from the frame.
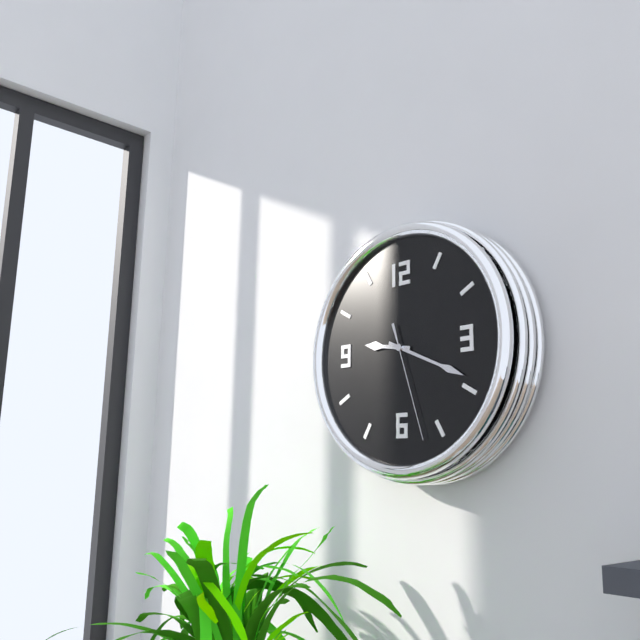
9:19:27
